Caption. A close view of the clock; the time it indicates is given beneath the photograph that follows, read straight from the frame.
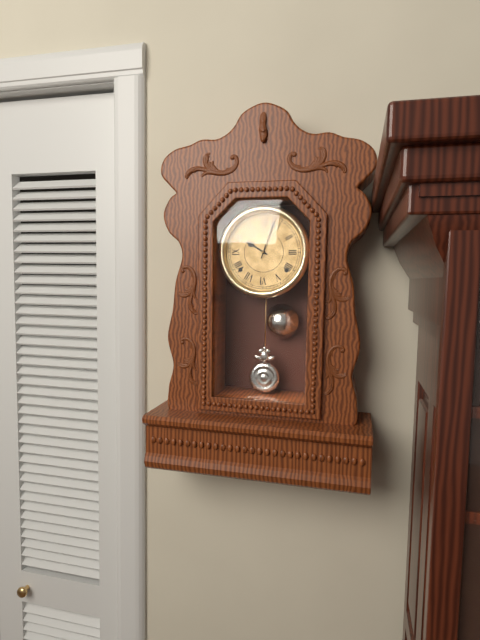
10:03
